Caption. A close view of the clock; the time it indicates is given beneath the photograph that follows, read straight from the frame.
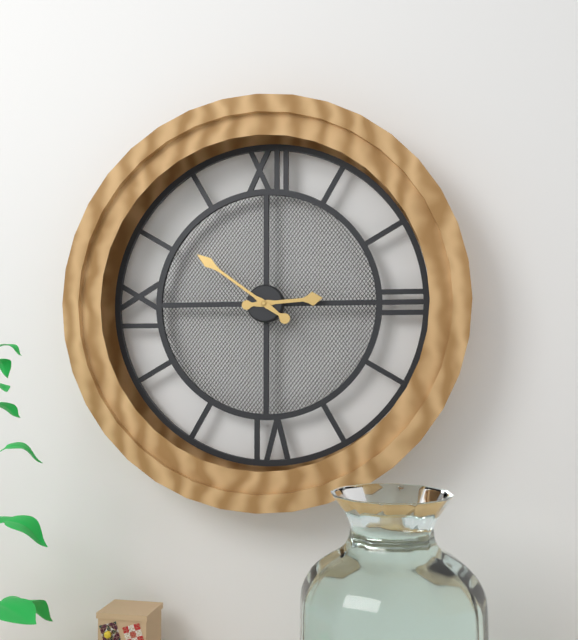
2:51
